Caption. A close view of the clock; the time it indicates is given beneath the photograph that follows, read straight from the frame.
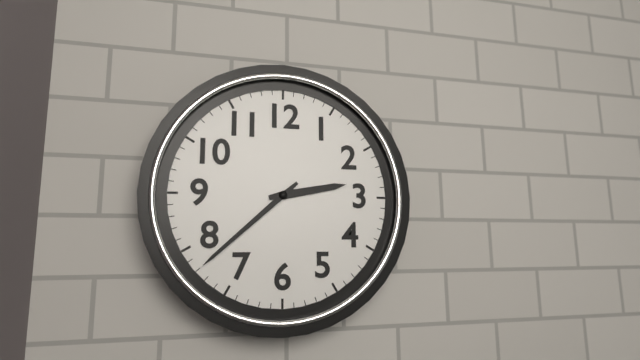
2:38
